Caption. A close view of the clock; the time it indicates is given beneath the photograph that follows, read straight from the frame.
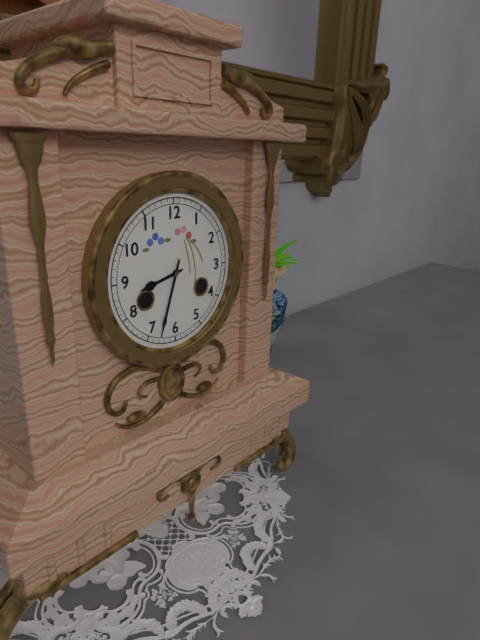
8:33
